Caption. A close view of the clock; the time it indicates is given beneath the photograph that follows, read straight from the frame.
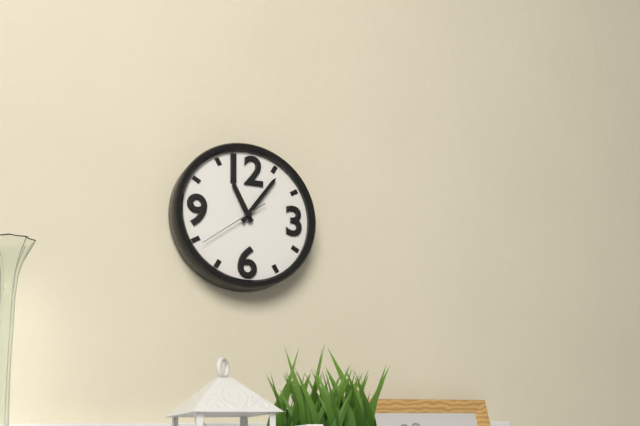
11:06:39
